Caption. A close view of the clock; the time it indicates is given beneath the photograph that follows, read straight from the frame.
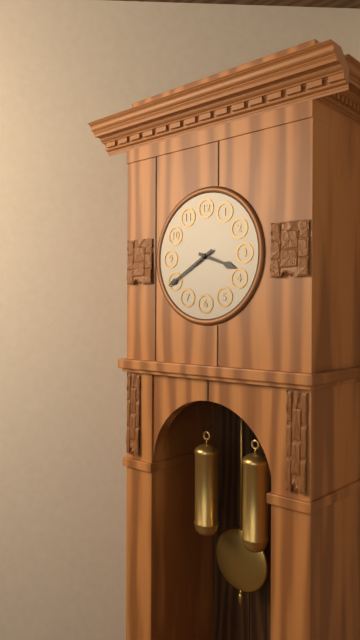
3:40
